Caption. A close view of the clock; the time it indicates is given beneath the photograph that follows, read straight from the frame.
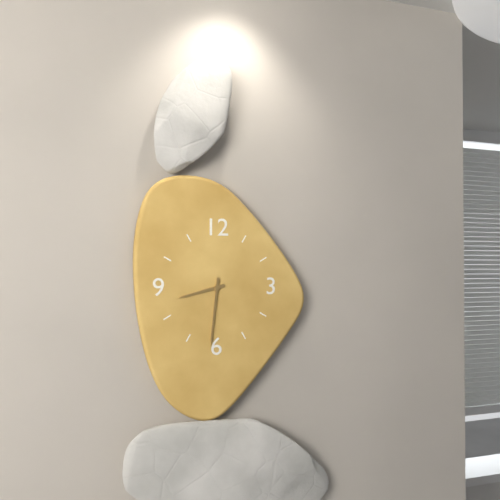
8:31
